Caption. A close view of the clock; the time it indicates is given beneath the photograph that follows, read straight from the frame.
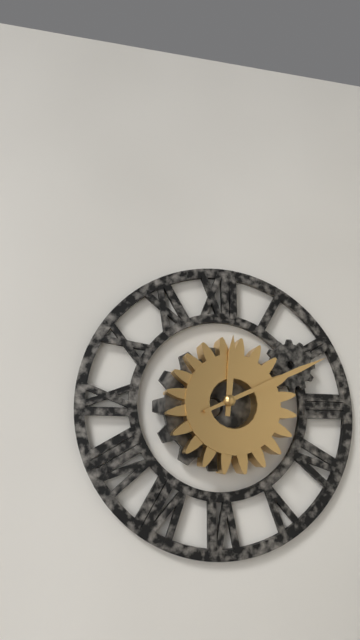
12:11
